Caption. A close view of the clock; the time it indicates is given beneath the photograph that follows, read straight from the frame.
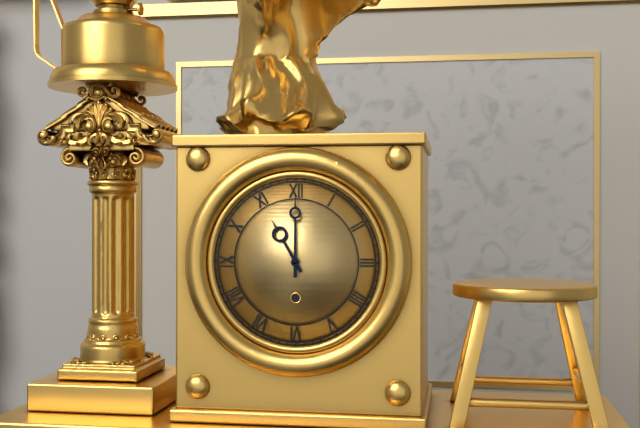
11:00
